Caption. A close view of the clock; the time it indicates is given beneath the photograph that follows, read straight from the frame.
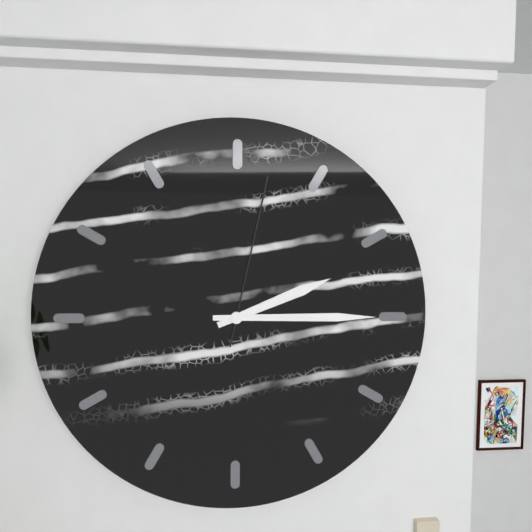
2:15:02
